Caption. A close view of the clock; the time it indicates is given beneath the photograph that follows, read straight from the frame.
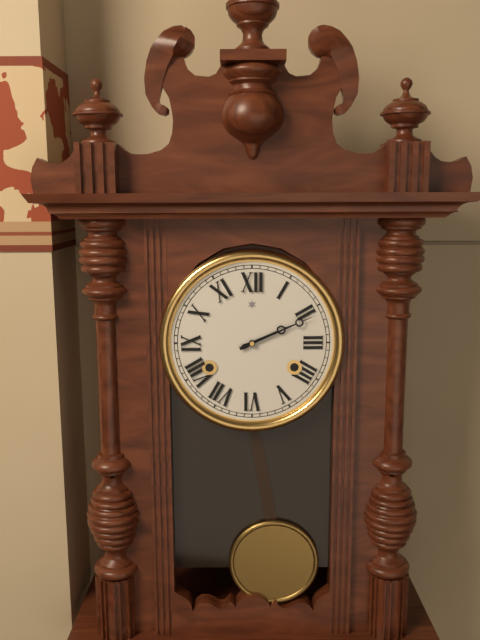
2:11
